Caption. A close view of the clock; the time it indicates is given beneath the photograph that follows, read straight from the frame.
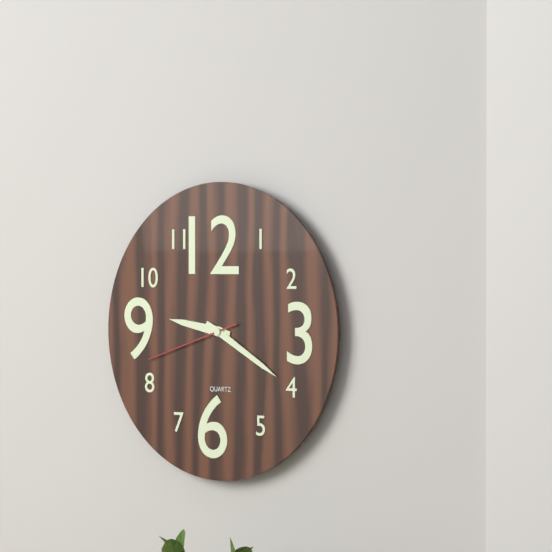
9:20:42
